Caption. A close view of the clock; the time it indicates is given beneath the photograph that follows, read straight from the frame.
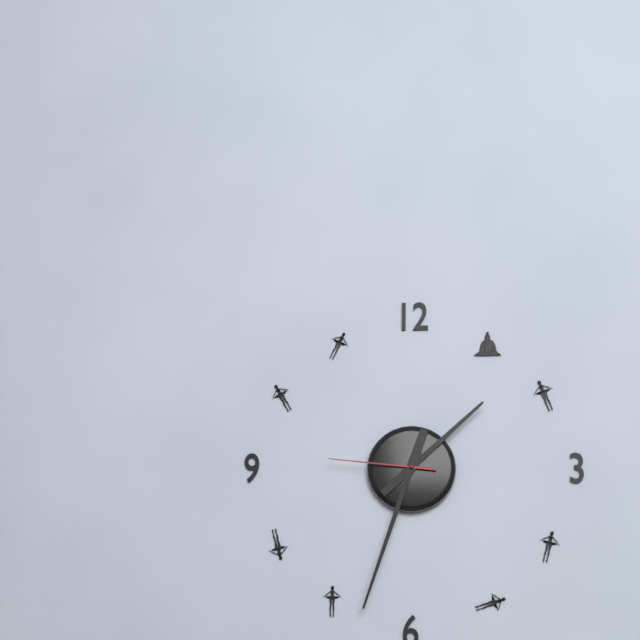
1:33:46
